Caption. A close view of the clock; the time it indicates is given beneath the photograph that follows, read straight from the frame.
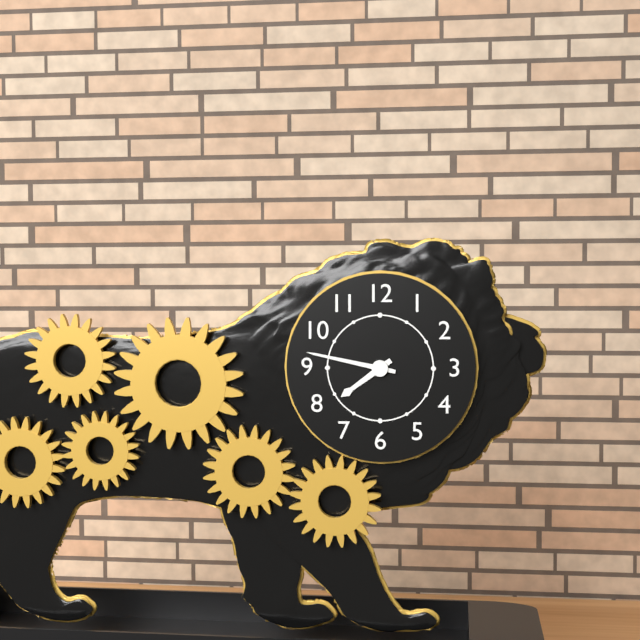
7:47
